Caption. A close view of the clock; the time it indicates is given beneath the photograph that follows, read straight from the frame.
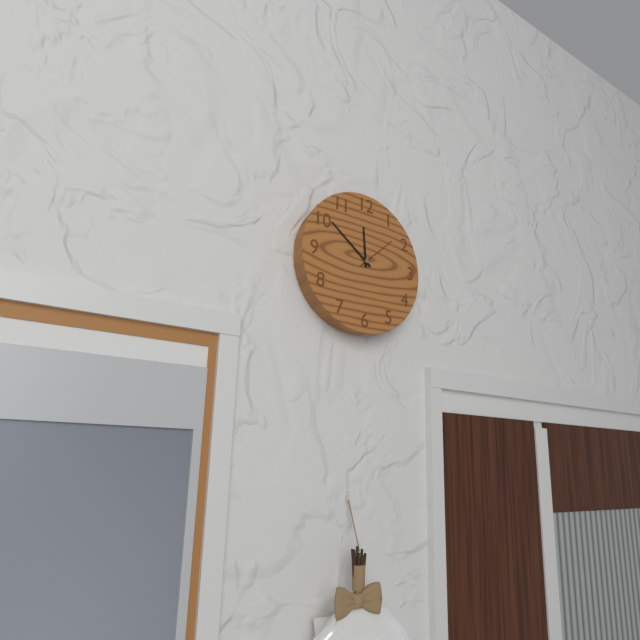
11:51
